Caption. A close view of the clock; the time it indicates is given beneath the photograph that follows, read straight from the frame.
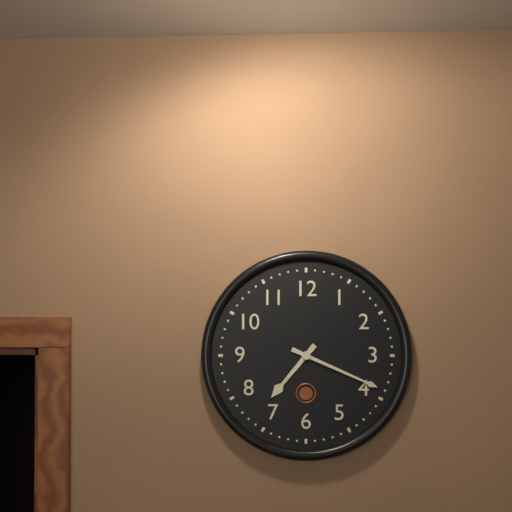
7:19
